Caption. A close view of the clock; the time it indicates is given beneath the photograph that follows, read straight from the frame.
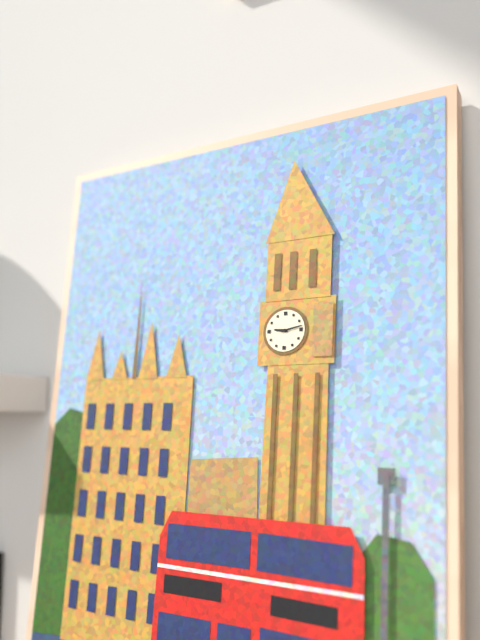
9:13
